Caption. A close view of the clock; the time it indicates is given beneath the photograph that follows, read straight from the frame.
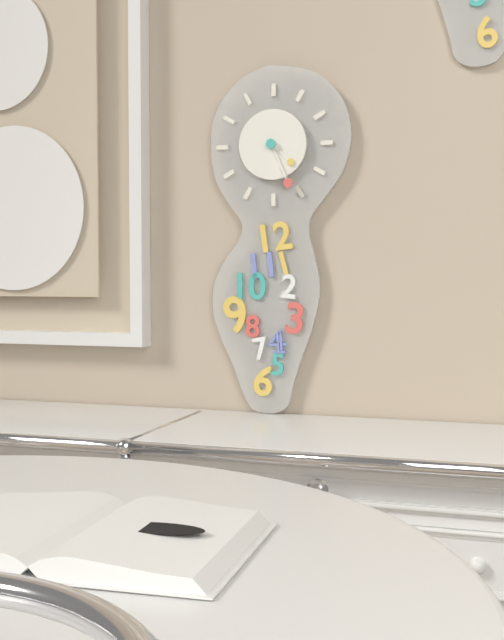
4:26
